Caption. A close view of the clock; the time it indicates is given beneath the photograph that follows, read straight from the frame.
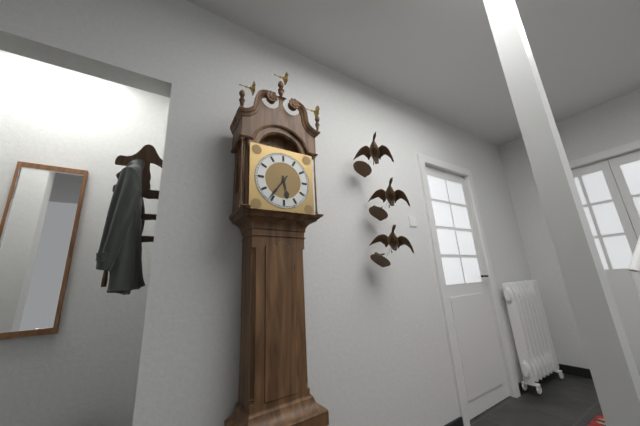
5:36
